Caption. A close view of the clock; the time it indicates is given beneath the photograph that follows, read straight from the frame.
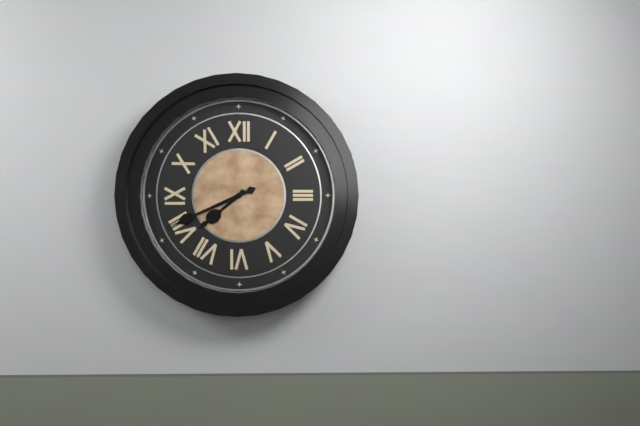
7:41
